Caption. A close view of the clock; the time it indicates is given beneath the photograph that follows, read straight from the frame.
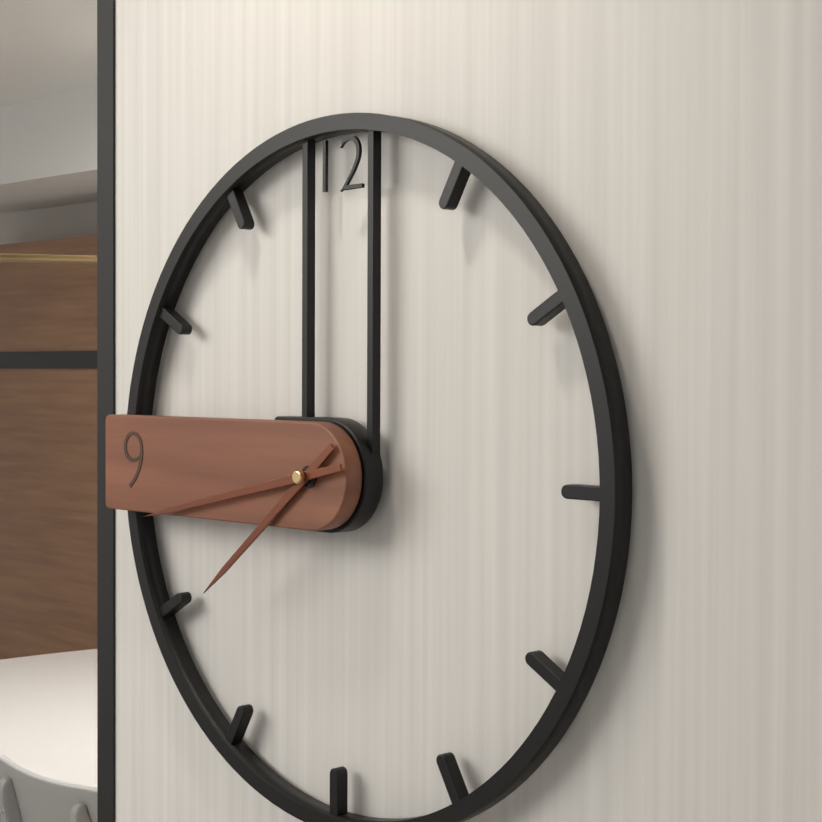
7:43
